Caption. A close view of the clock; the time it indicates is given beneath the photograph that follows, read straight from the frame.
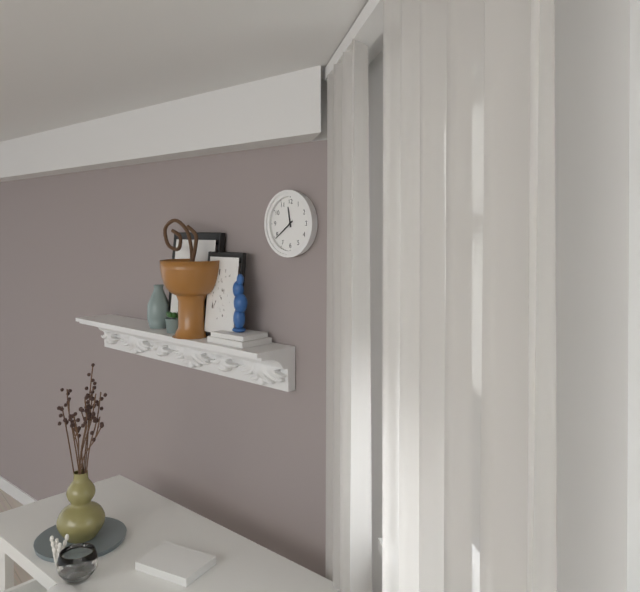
11:39
